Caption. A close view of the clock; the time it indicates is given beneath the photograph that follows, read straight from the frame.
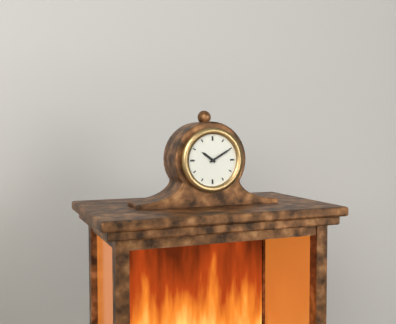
10:10
